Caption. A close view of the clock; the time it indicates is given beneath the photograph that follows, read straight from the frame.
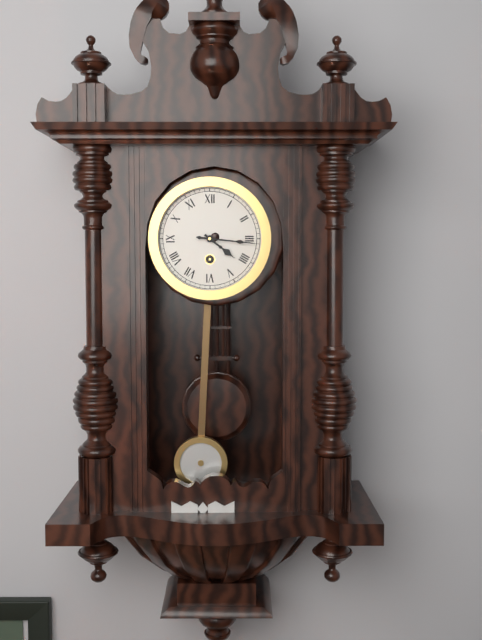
4:16
